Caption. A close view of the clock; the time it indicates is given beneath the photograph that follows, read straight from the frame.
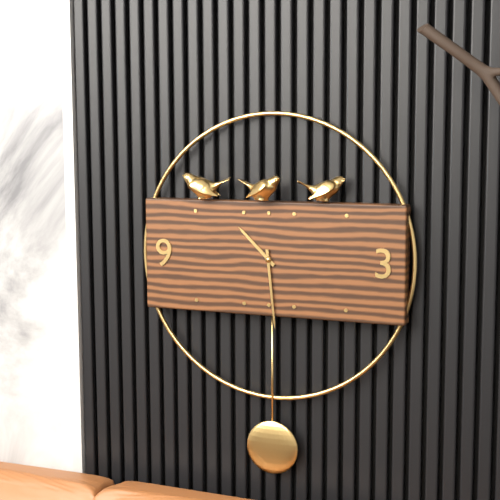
10:29
